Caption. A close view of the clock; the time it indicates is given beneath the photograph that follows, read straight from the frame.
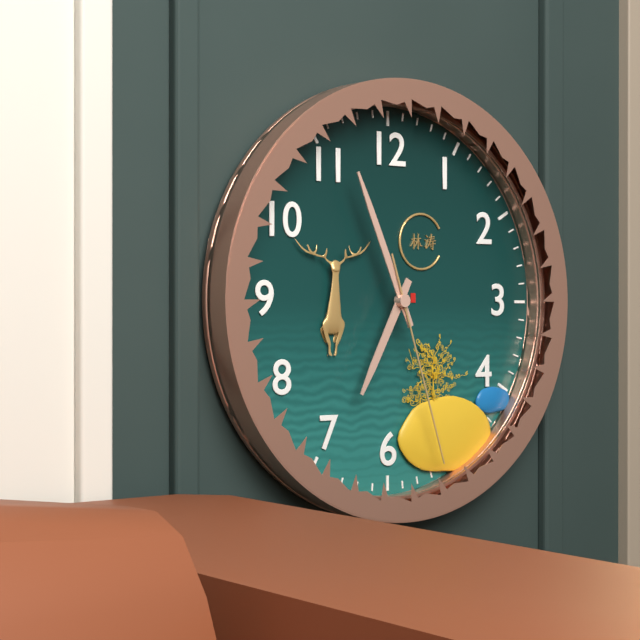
6:56:27
